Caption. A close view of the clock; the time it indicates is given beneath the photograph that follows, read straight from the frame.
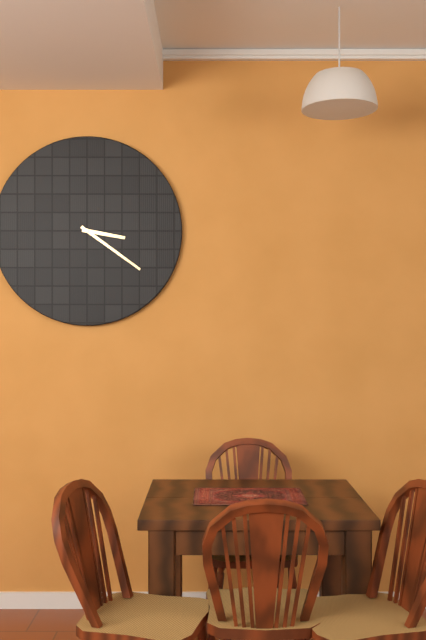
3:21
